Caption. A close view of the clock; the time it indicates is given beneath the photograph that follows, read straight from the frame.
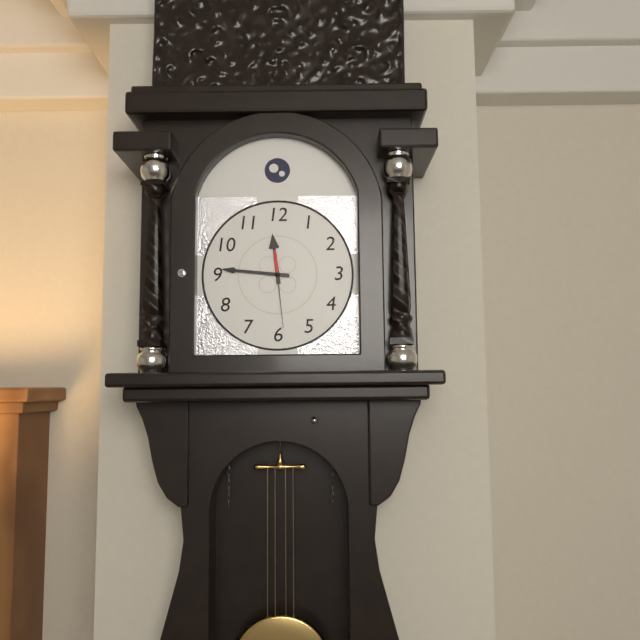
11:46:29
